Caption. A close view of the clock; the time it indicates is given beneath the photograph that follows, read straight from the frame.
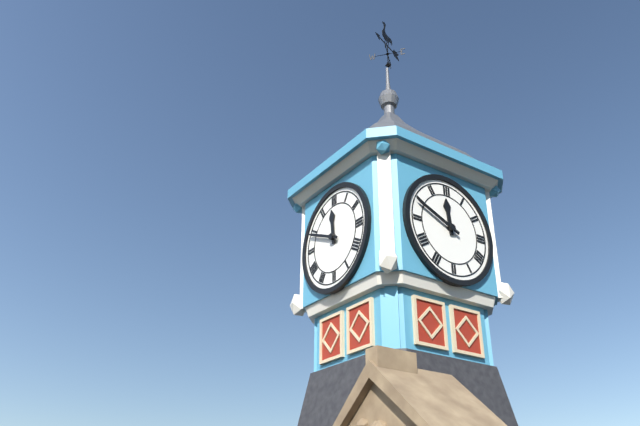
11:49
